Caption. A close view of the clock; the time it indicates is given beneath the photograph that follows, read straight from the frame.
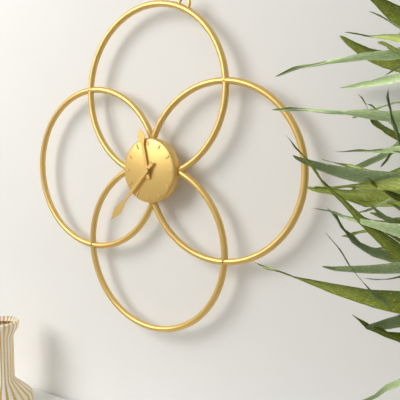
11:37
